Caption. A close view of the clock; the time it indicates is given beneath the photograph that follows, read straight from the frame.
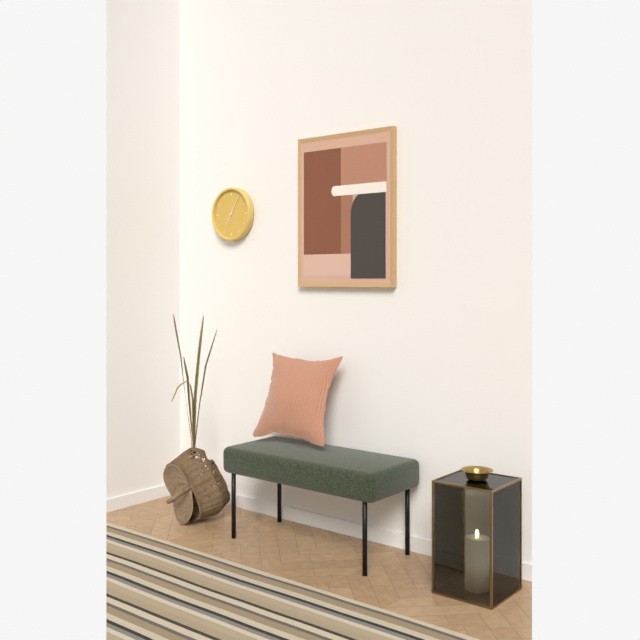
7:05
